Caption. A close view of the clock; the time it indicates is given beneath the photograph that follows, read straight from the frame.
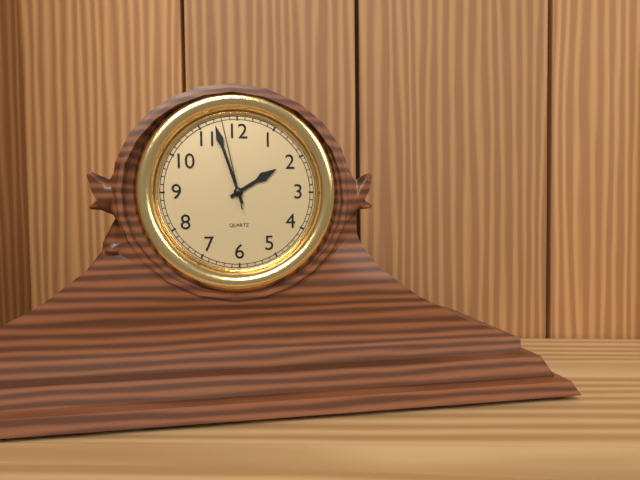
1:57:58
